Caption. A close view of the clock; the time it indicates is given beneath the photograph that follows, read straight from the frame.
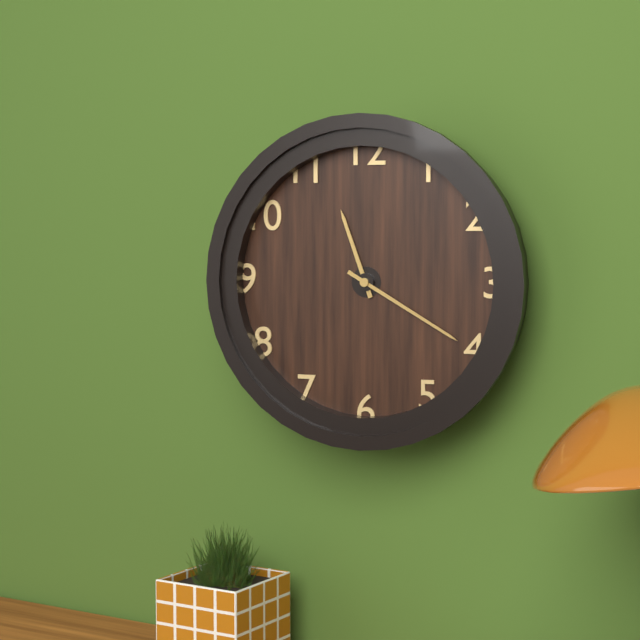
11:20
